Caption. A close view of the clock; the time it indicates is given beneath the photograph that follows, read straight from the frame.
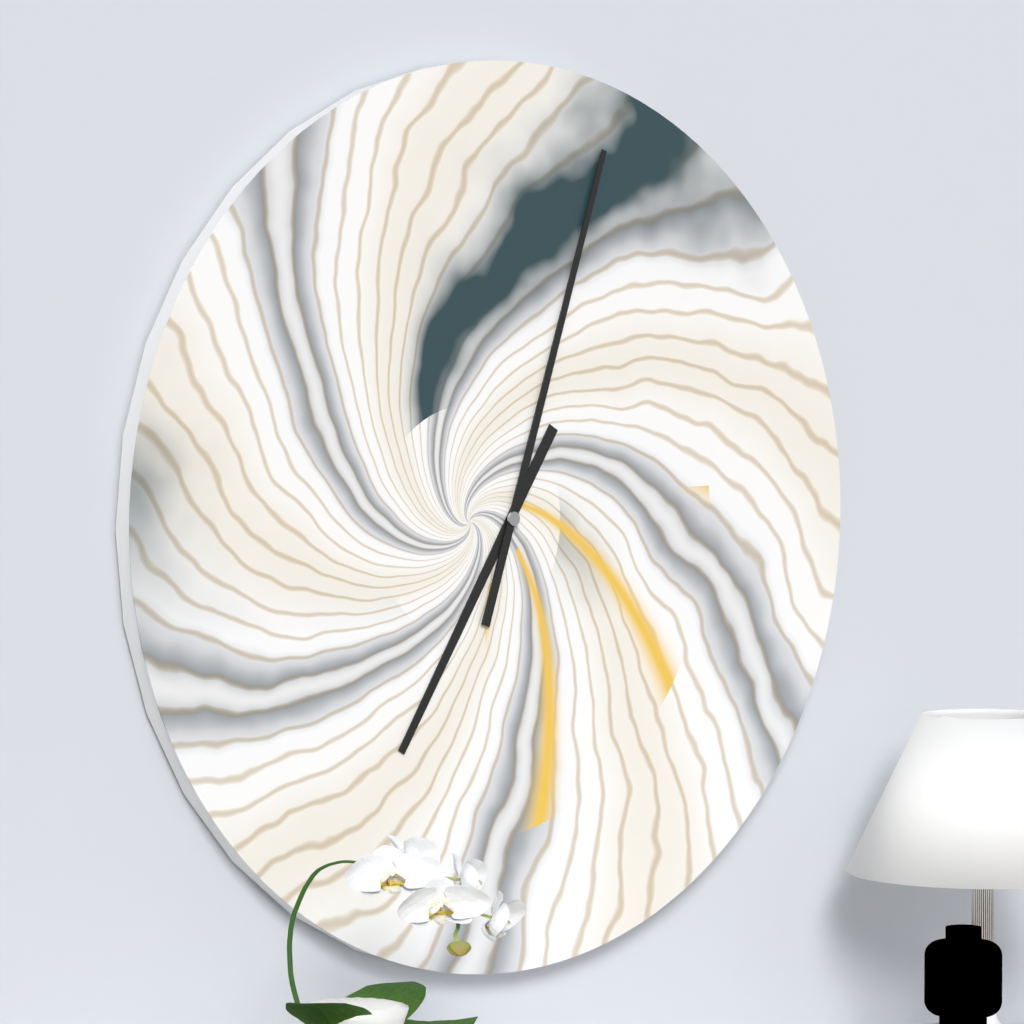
7:03
